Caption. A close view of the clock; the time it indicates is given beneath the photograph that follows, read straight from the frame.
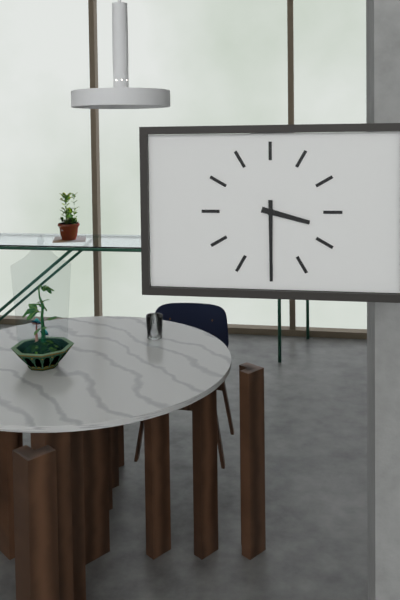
3:30
